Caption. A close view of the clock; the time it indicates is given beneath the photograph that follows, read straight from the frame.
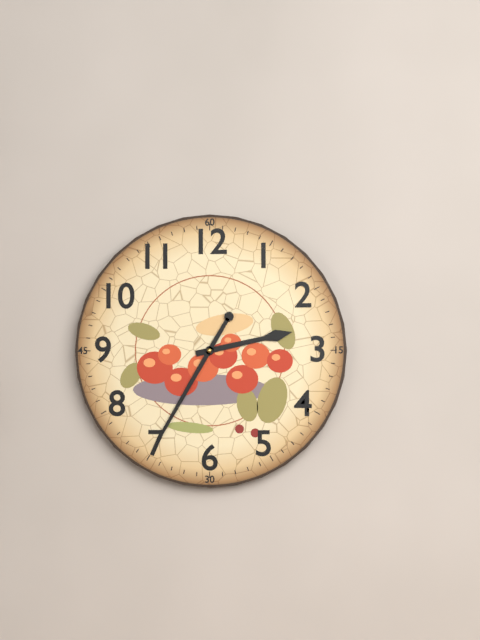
2:35
